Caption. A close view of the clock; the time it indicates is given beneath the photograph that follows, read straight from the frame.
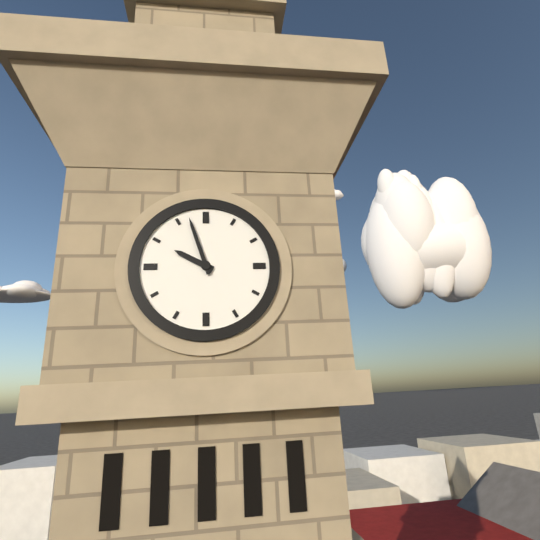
9:57
